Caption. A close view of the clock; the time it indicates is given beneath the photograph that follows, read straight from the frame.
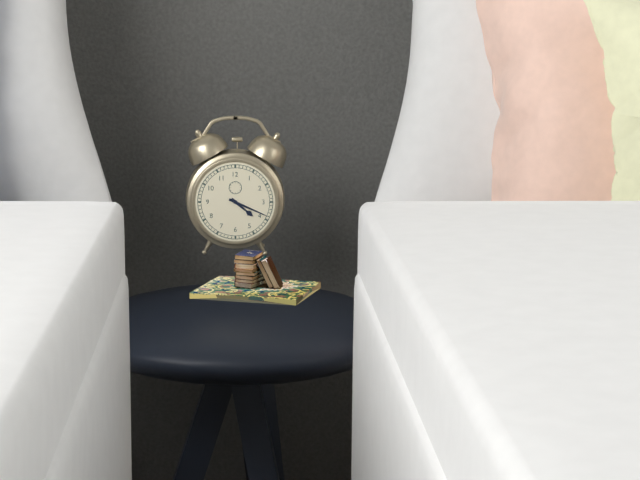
4:19
